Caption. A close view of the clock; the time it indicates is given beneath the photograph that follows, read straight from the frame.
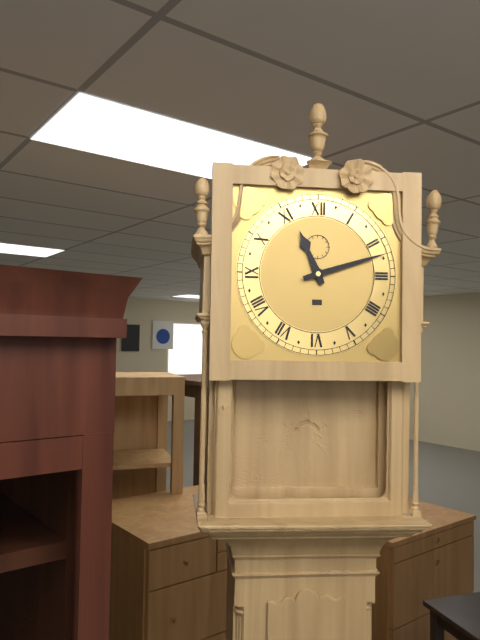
11:12
